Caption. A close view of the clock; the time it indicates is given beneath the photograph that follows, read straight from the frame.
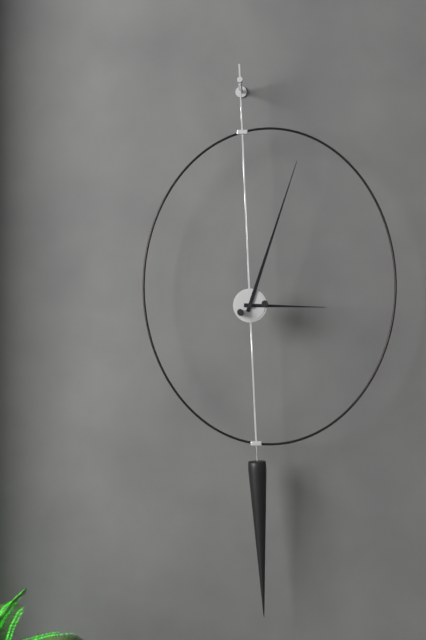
3:03
